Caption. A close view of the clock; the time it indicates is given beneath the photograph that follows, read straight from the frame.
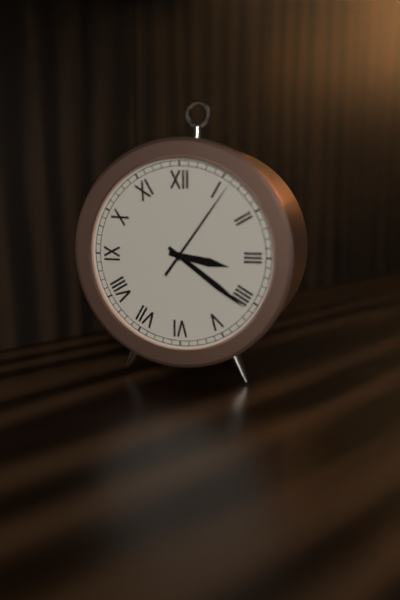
3:21:06
